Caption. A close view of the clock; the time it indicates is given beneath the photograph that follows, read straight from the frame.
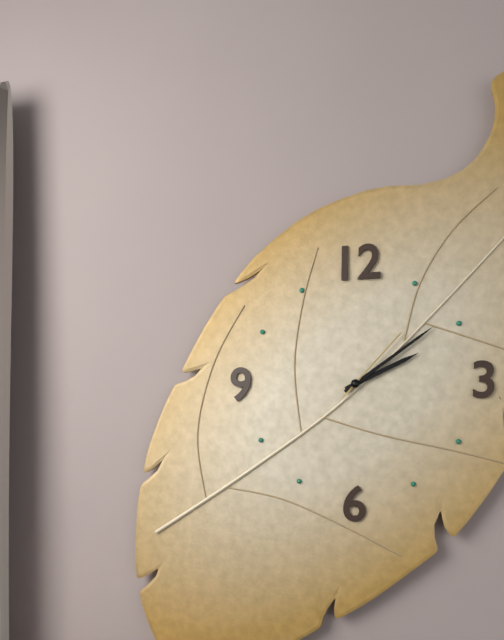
2:09:07
